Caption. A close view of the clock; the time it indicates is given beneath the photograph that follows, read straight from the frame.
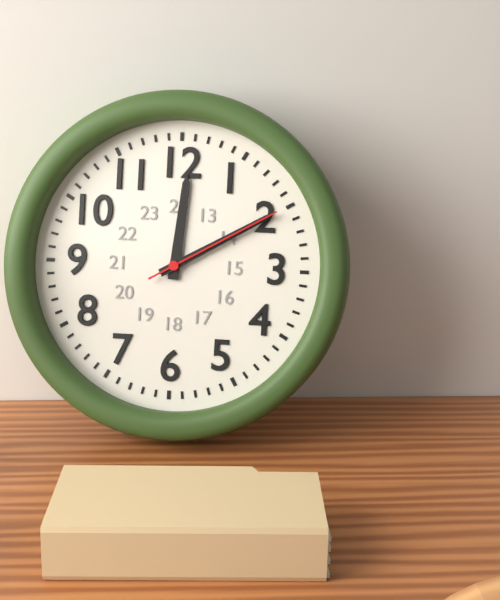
12:10:10
